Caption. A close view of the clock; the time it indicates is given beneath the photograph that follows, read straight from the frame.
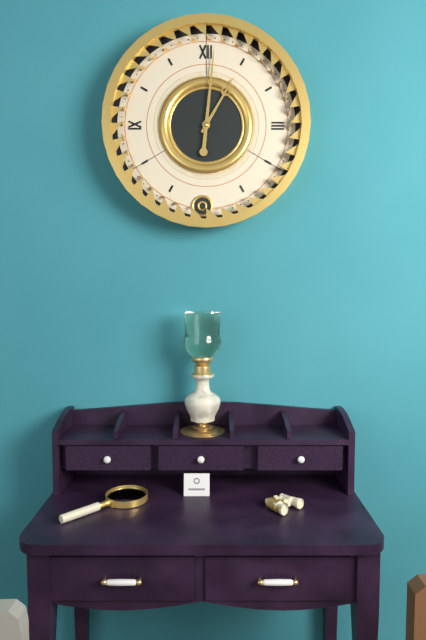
1:01
